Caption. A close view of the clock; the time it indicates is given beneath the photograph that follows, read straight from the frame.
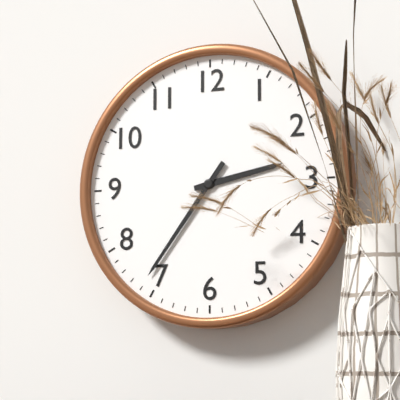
2:36
